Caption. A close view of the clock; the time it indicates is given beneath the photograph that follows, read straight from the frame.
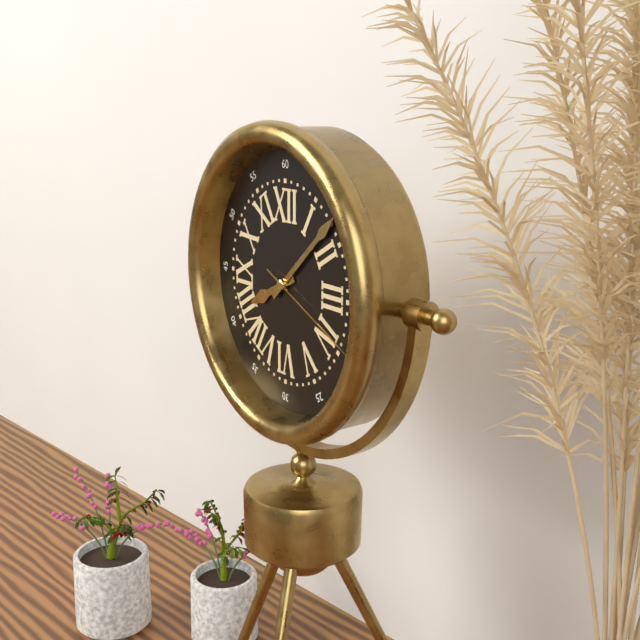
8:08:19
